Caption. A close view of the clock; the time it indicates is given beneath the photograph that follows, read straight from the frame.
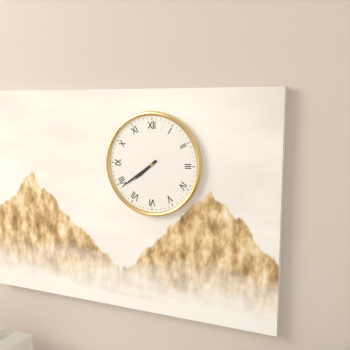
7:39
